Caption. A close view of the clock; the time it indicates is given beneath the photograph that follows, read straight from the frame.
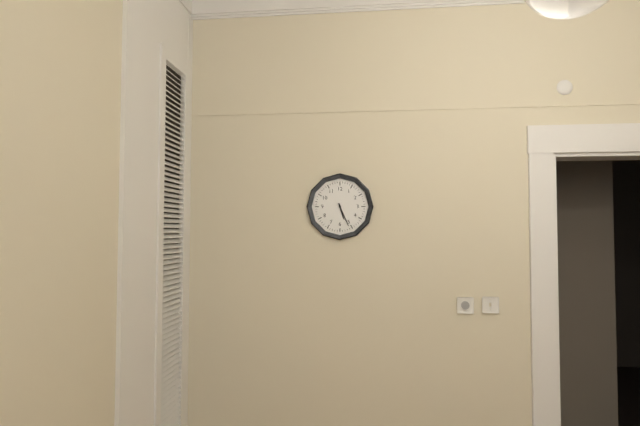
5:26
